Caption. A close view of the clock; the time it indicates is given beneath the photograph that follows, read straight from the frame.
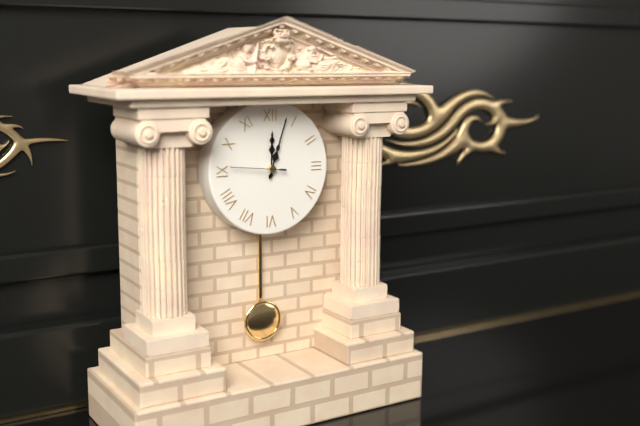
12:03
